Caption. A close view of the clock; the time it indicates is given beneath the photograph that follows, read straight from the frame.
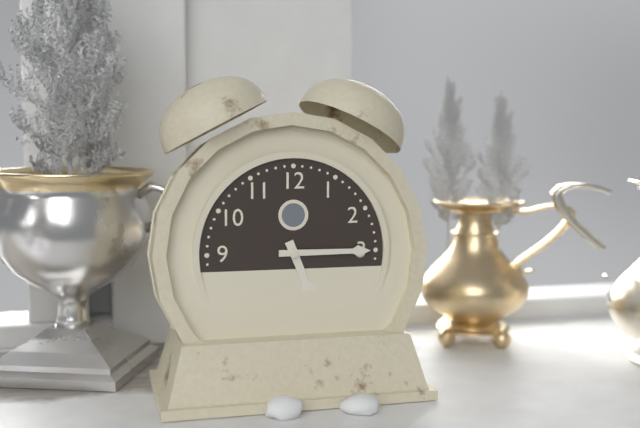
5:15
